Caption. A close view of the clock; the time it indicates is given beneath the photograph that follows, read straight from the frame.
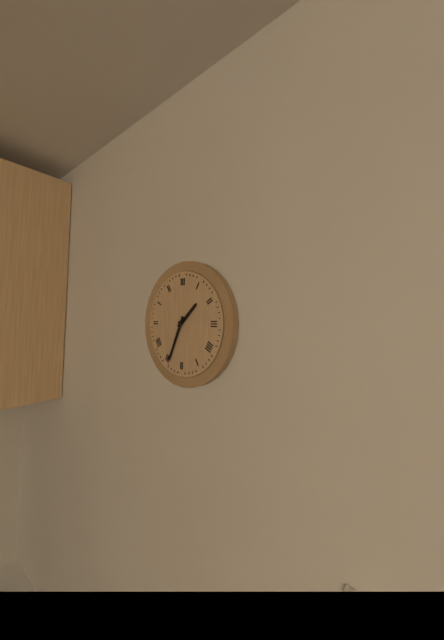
1:34
